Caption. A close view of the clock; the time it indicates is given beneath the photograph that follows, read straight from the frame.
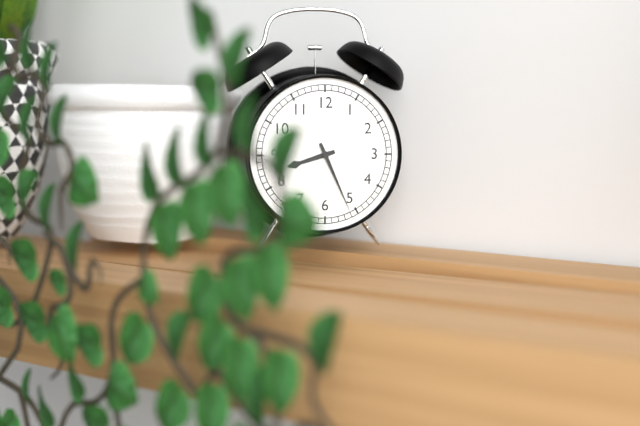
8:26
